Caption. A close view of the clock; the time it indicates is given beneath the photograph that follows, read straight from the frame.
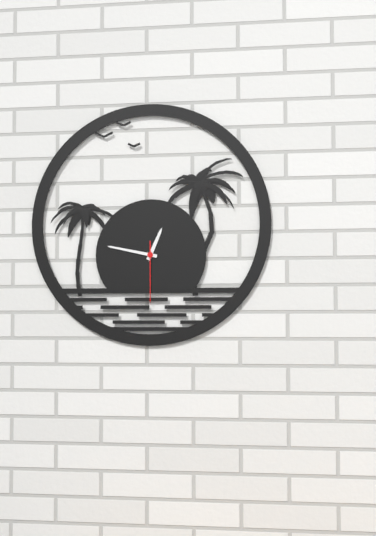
12:47:30
